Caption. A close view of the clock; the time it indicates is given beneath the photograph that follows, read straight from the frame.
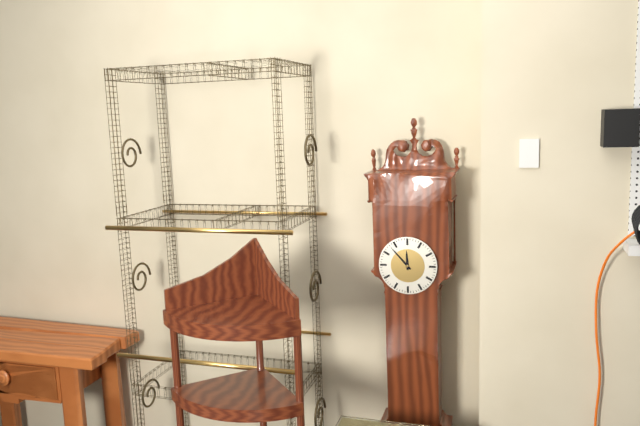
11:53
